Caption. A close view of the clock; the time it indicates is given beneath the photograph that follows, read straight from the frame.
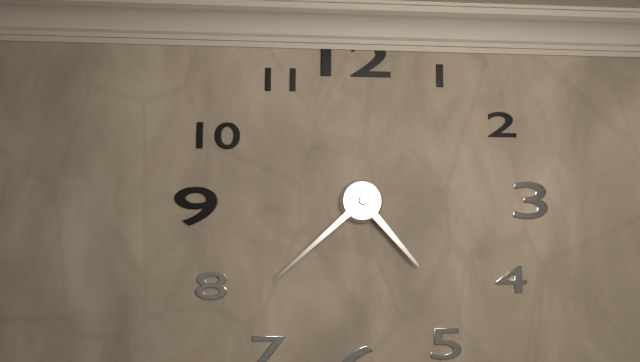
4:38
